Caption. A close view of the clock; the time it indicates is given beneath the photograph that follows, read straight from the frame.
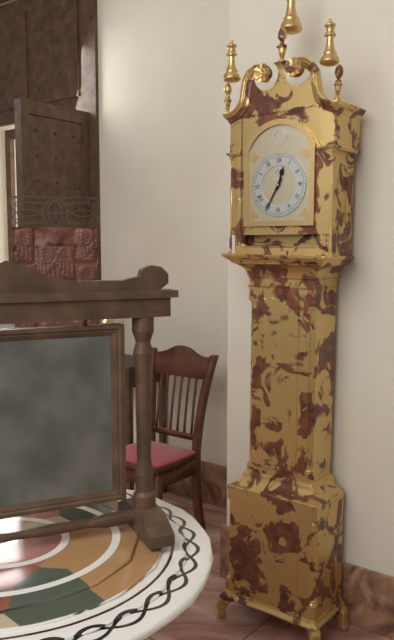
12:35
